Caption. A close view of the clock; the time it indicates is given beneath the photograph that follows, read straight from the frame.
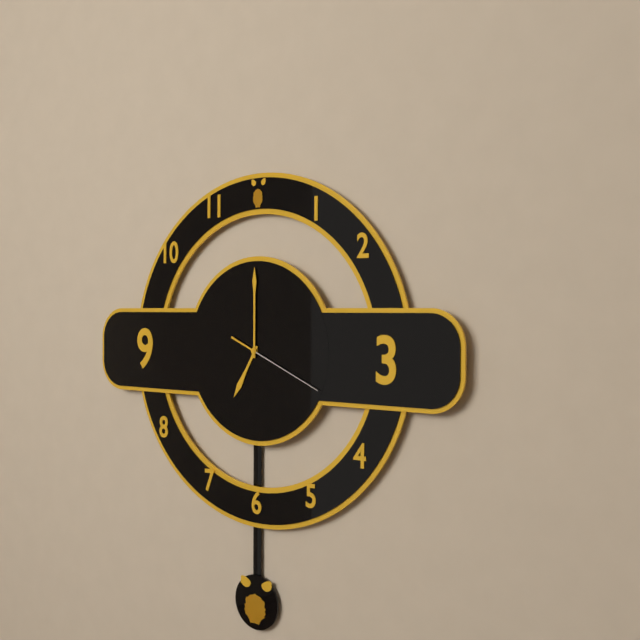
7:00:19
